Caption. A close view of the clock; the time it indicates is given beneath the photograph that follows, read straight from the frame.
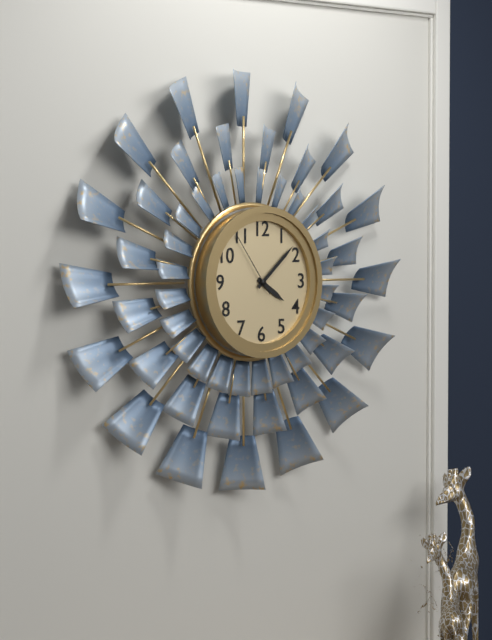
4:08:54
